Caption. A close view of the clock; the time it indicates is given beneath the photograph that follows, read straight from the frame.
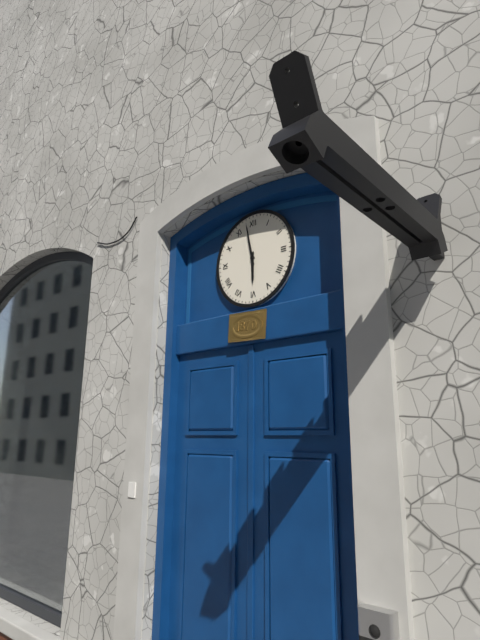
5:58
